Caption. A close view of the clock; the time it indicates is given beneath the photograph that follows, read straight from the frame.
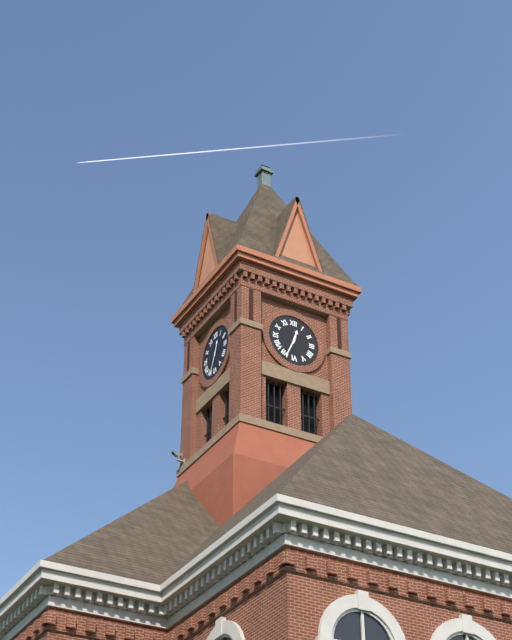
12:34
